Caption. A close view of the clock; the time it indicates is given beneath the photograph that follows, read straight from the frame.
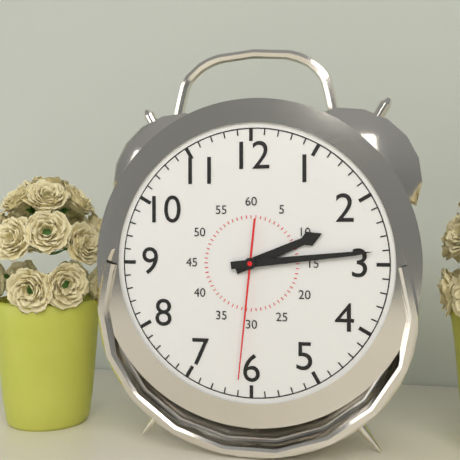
2:14:31
